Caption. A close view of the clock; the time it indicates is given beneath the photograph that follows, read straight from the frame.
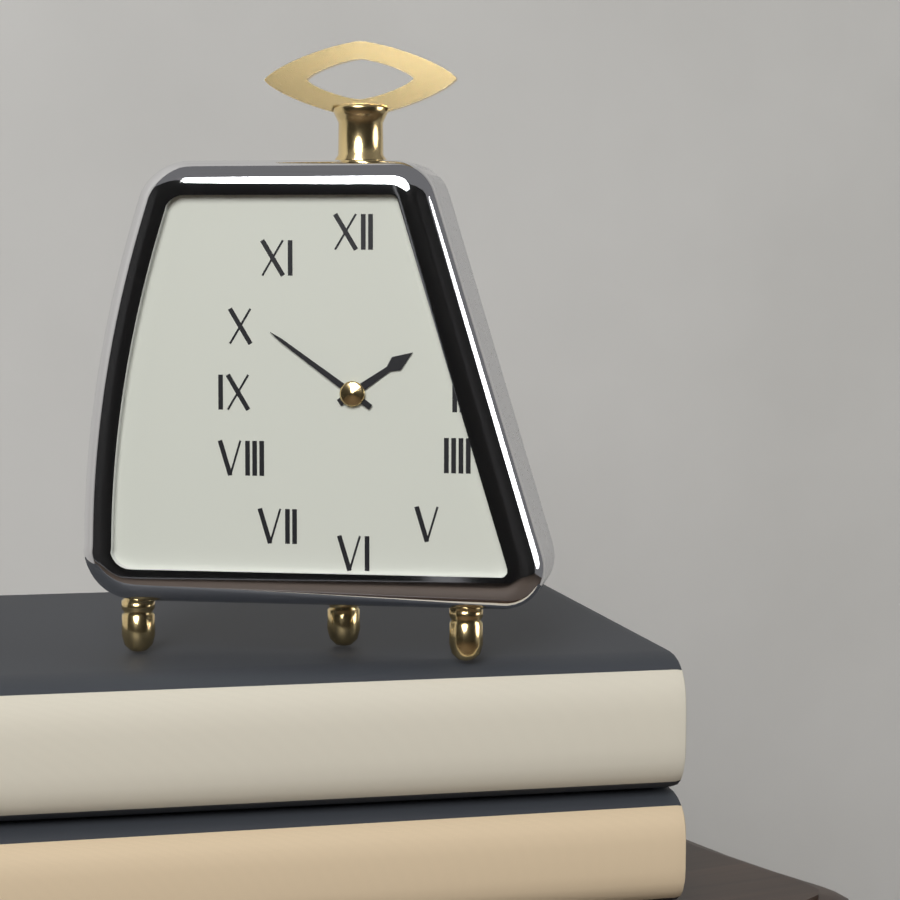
1:51
